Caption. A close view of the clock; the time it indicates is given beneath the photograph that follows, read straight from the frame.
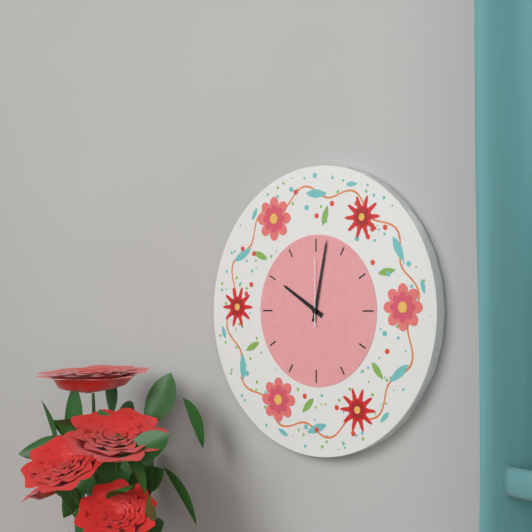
10:02:00
